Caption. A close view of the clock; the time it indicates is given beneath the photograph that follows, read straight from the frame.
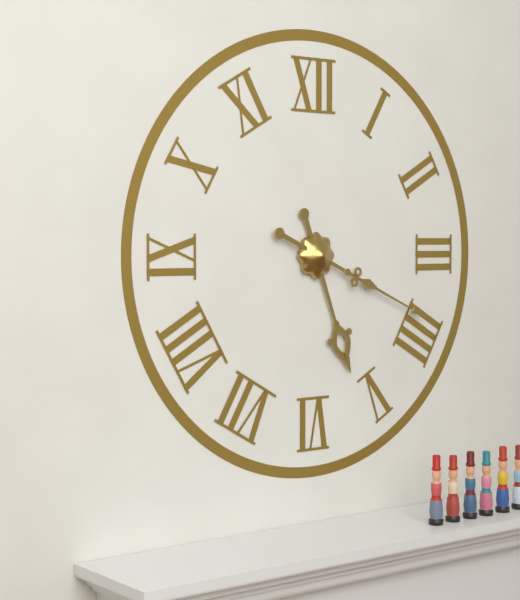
5:19
